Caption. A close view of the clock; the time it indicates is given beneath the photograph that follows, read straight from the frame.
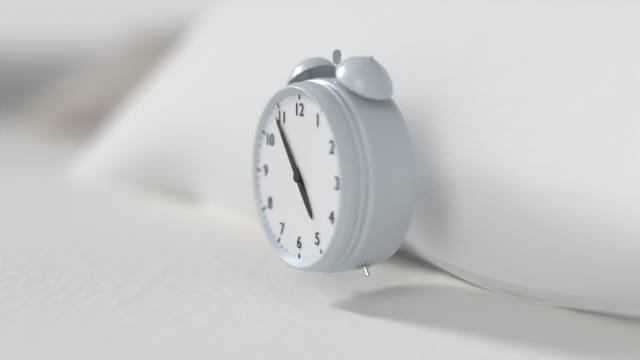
4:54
